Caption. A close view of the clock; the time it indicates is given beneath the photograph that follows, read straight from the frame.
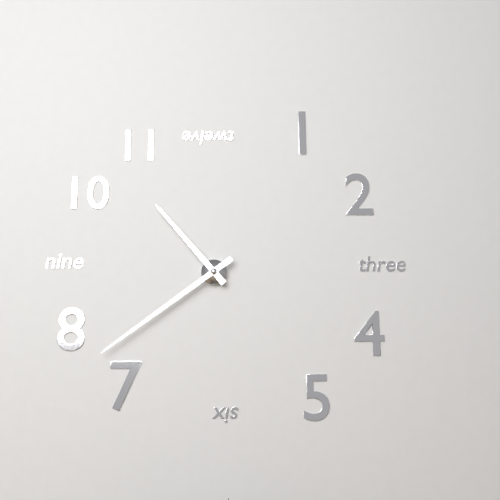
10:39
